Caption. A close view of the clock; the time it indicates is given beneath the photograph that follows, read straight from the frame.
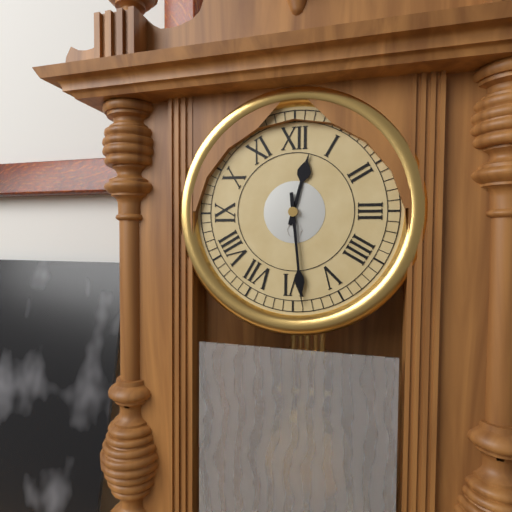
12:29
